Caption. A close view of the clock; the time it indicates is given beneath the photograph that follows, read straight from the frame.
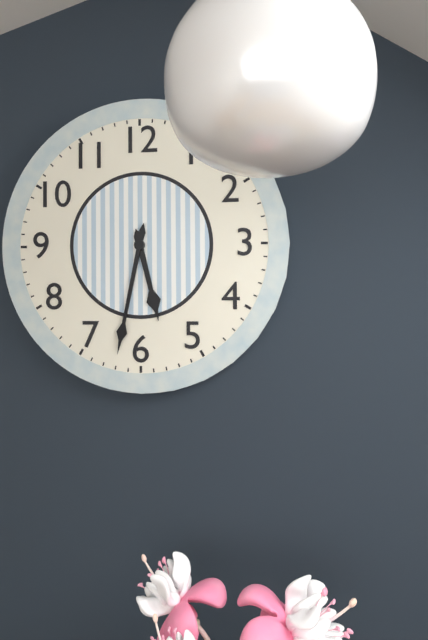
5:32
